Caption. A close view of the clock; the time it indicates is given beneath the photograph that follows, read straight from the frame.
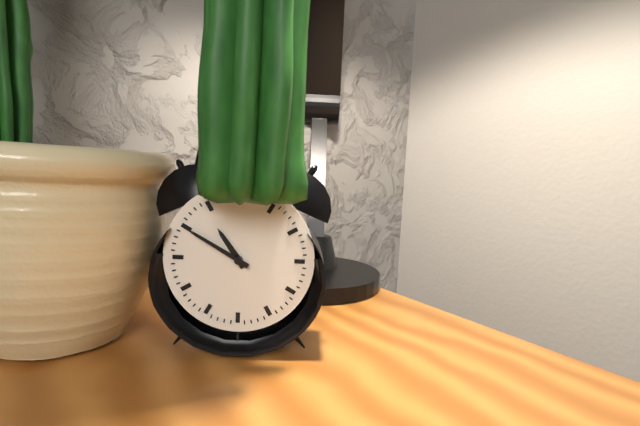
10:50
